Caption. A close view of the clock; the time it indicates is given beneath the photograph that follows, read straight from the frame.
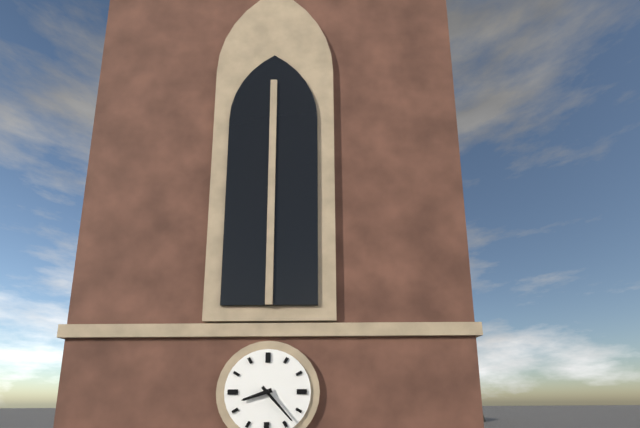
8:23
